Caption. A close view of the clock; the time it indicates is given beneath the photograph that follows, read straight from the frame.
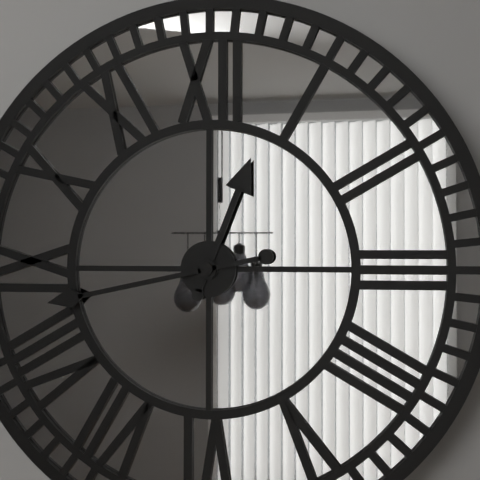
12:43
